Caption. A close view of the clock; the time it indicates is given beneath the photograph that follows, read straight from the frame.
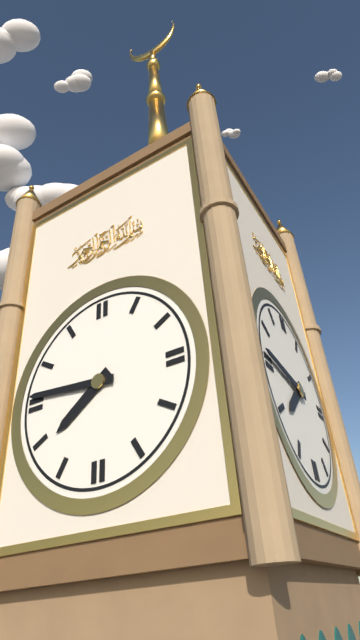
7:46
